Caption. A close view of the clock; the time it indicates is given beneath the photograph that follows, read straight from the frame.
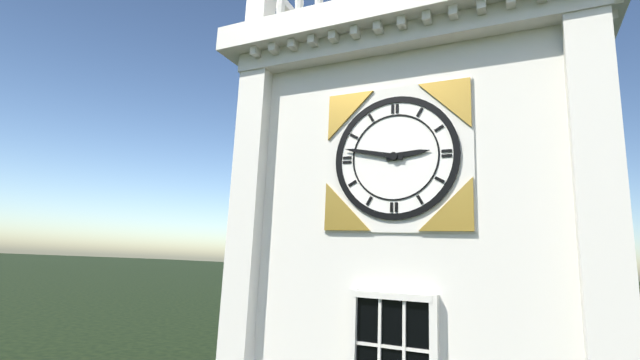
2:47
